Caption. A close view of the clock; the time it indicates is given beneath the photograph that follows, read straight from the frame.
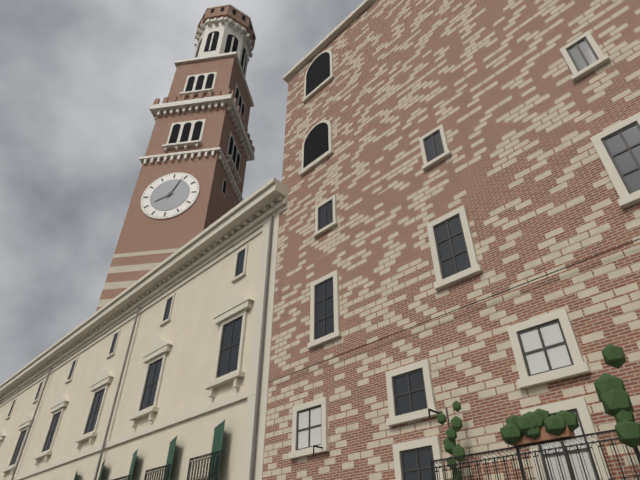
8:04
